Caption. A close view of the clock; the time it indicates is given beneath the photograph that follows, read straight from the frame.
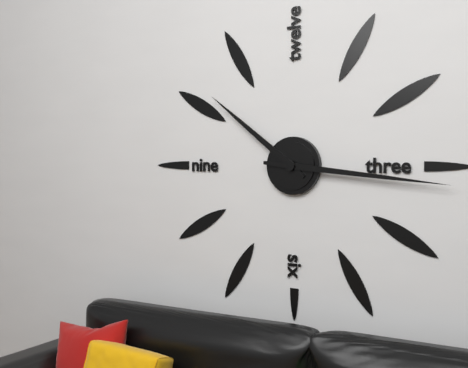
10:16
